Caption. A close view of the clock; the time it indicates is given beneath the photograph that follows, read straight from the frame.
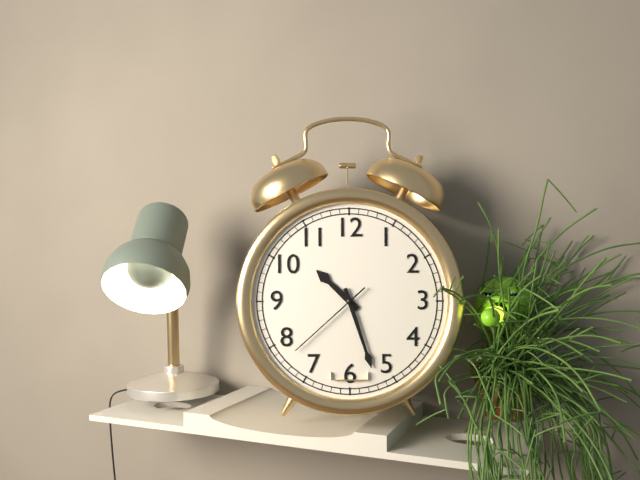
10:27:38
